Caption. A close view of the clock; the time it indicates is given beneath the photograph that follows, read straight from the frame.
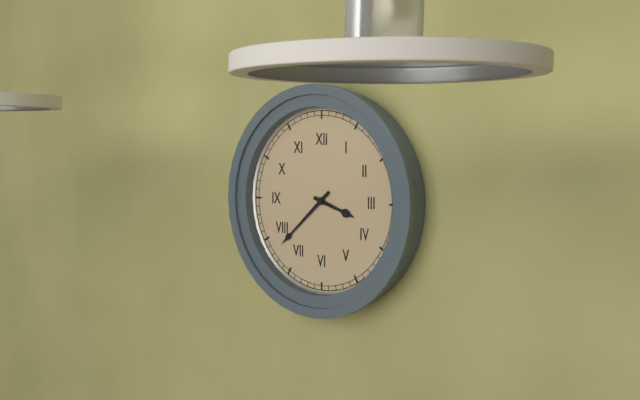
3:38
